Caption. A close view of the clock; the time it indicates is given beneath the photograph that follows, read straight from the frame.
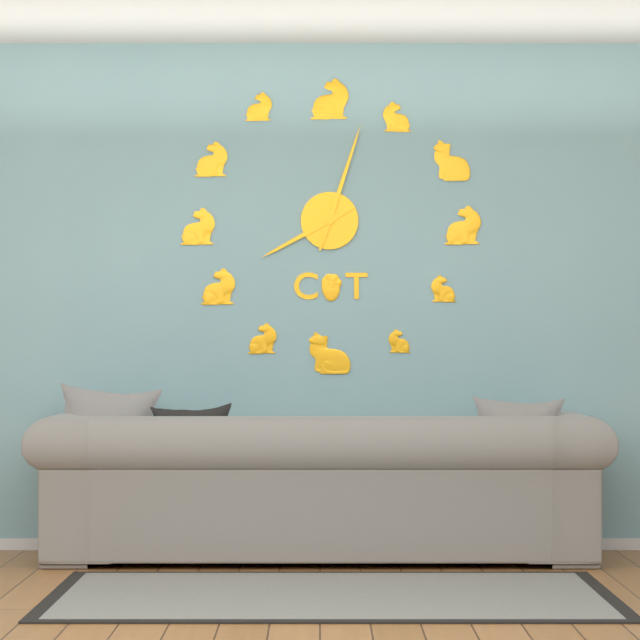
8:03
